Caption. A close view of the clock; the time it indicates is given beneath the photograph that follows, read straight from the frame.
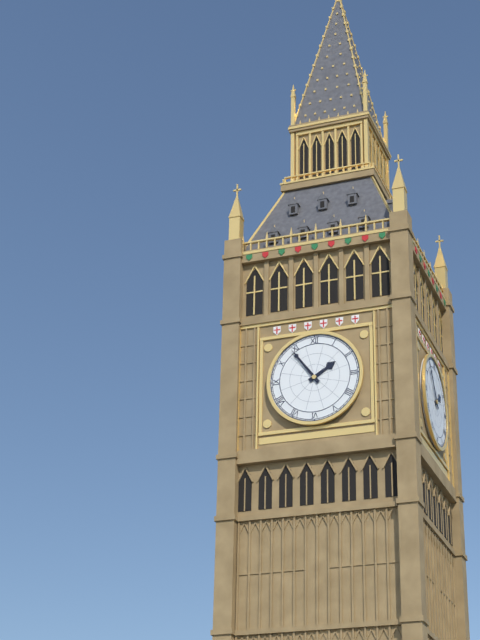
1:54
